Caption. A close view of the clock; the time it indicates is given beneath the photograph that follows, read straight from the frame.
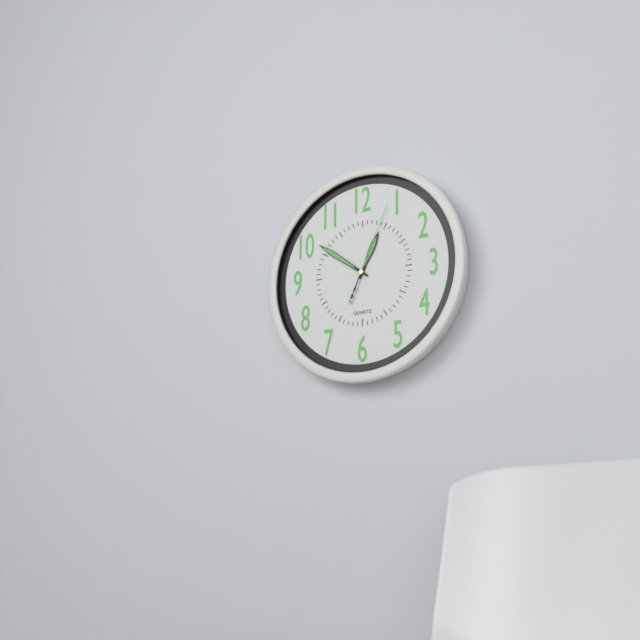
12:51:04
